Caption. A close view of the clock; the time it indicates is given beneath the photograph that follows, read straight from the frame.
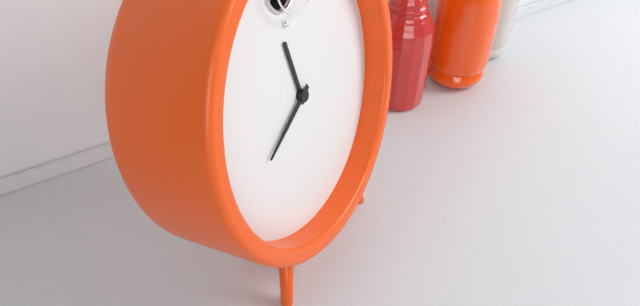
11:41
